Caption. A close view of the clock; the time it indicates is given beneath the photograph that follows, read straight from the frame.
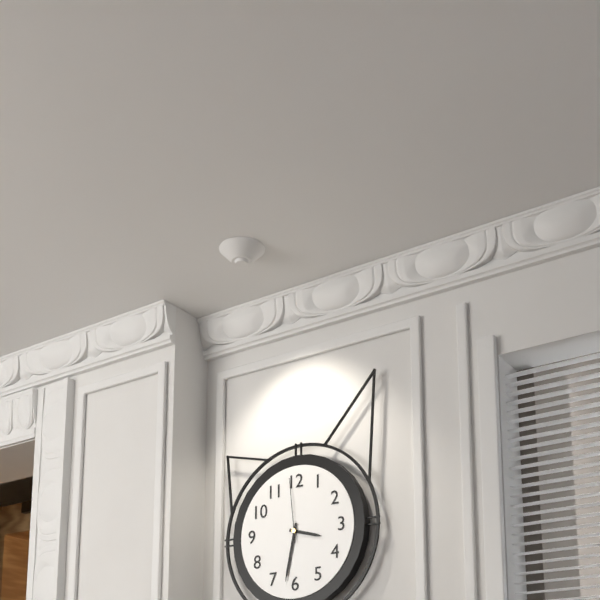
3:32:59
